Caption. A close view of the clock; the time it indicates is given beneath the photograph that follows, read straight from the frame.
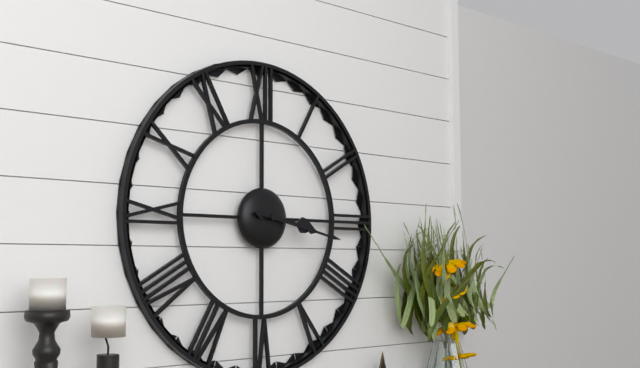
3:17
